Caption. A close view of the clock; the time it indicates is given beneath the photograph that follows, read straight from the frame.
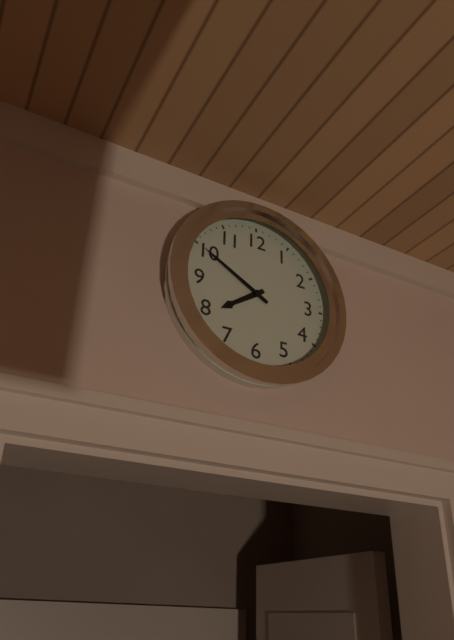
7:50
